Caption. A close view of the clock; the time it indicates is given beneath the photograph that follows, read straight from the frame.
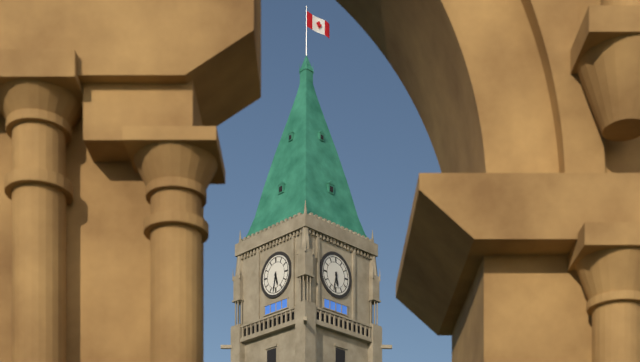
5:32
